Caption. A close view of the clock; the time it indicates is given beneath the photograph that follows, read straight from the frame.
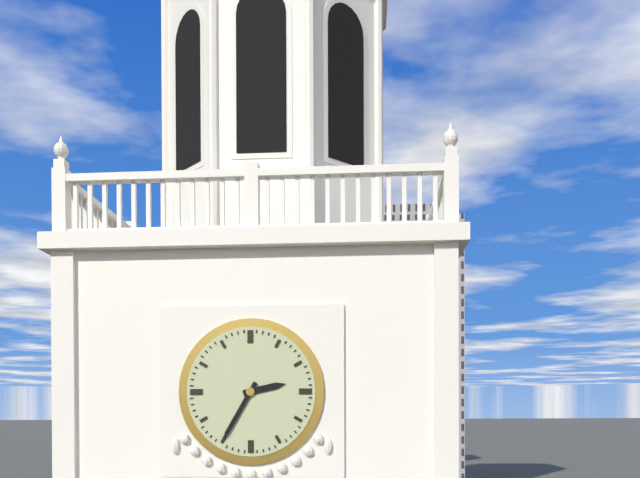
2:35
